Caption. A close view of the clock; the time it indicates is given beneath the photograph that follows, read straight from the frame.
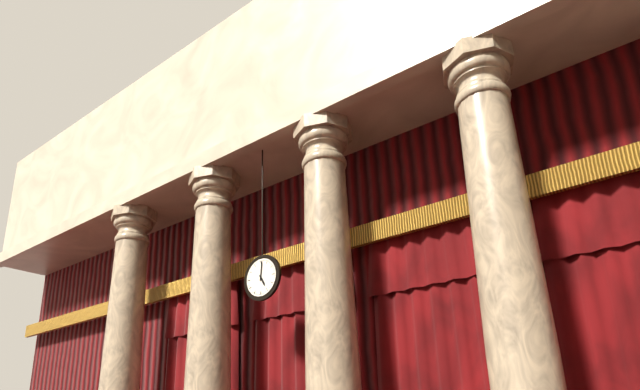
5:01
